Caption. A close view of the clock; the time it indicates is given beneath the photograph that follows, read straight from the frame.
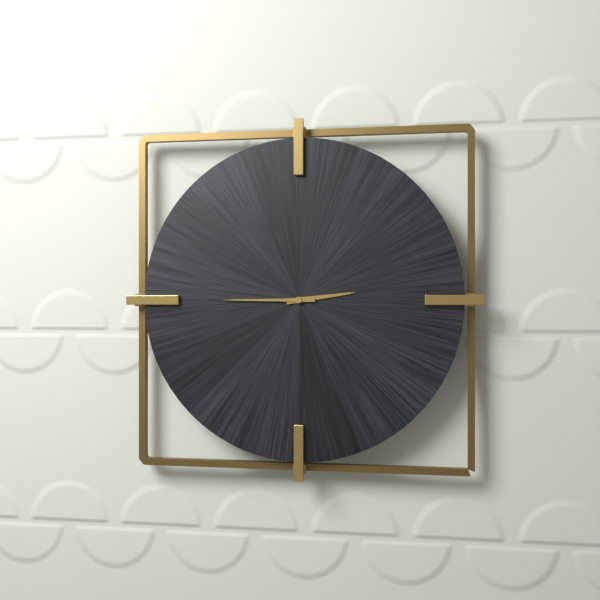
2:45
